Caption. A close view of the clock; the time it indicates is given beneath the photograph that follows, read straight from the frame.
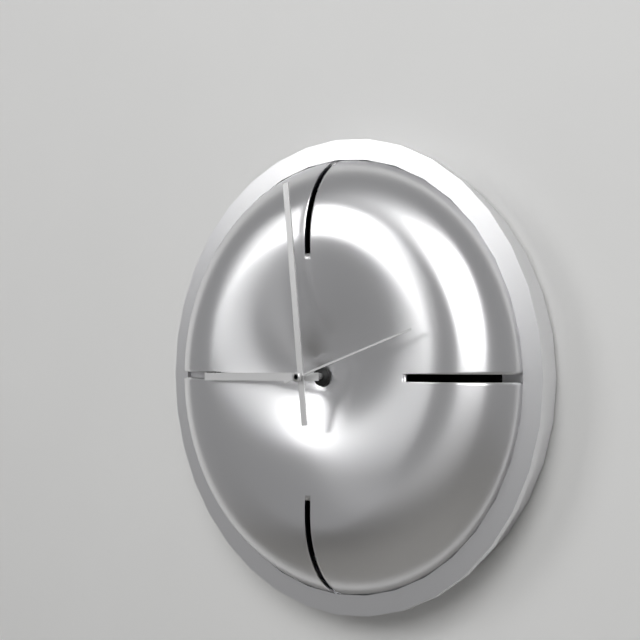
8:59:12
